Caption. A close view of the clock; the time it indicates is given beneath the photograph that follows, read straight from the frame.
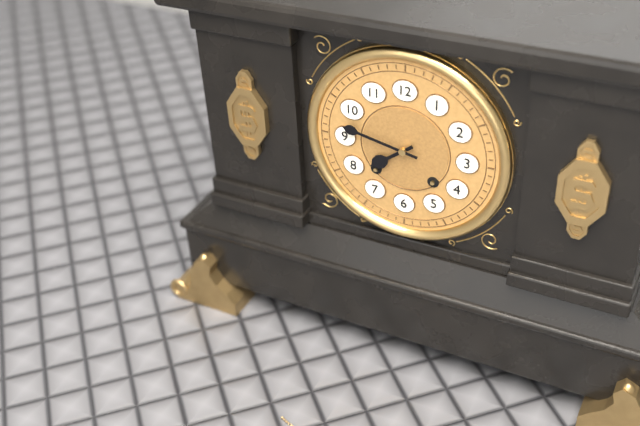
7:47
